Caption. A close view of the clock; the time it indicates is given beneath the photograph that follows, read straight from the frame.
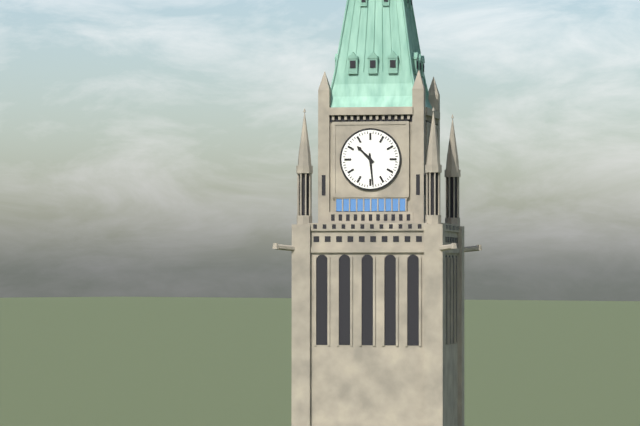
10:29
